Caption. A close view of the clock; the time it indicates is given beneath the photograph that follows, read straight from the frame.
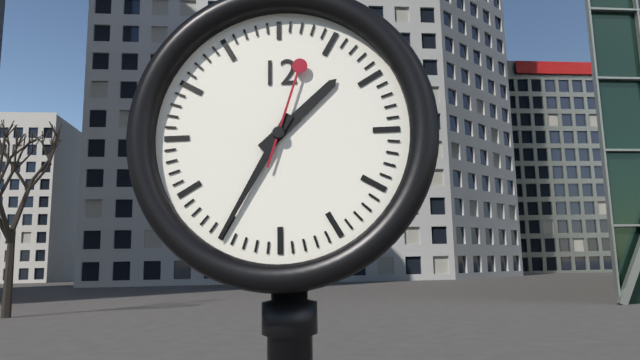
1:35:03
